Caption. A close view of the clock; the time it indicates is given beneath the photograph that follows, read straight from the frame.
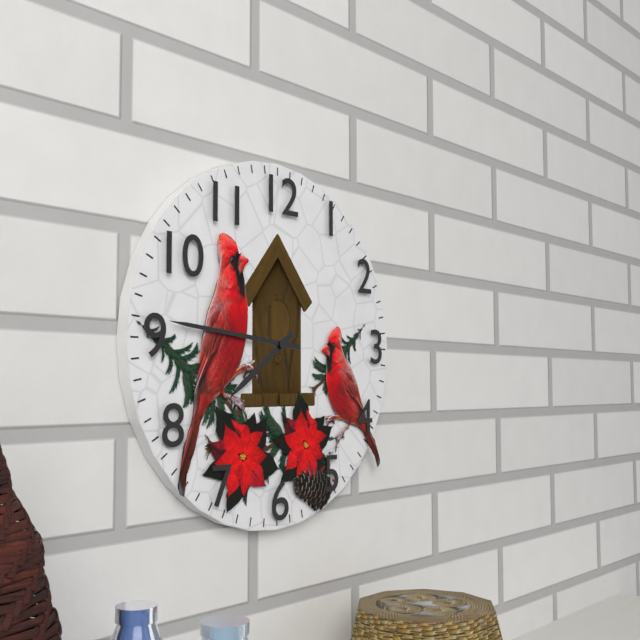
7:46
